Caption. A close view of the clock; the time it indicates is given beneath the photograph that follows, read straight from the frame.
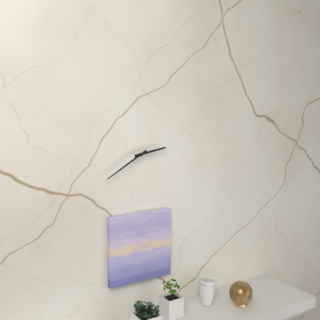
2:40
